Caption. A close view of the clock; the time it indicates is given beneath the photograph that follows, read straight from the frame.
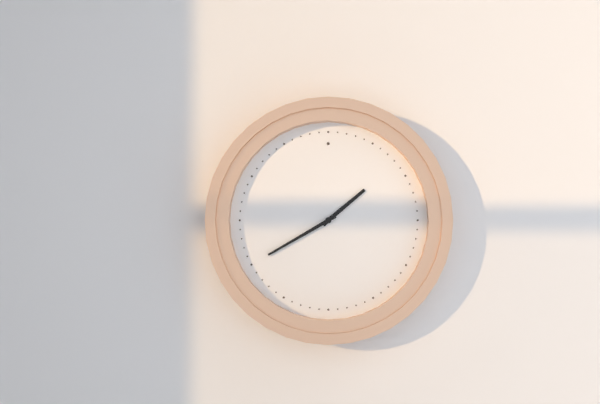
1:40
